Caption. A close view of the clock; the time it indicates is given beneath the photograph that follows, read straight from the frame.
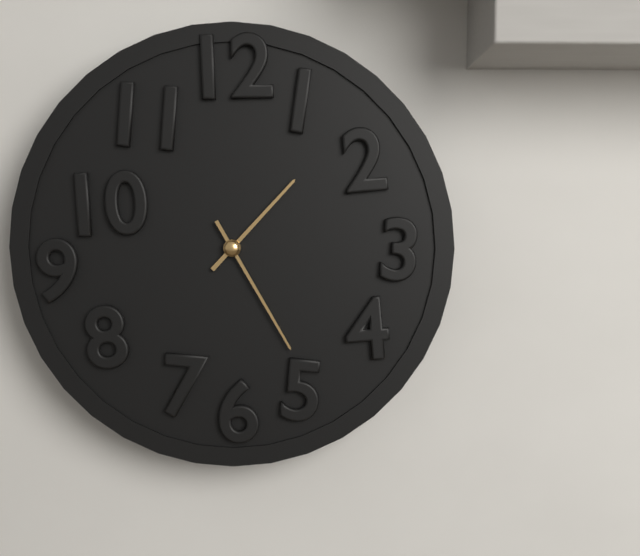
1:25
